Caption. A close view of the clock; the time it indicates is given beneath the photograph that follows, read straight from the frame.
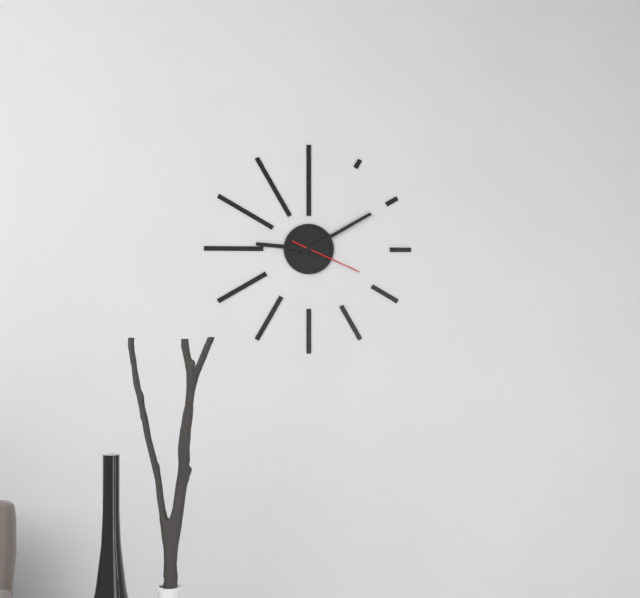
9:10:19
